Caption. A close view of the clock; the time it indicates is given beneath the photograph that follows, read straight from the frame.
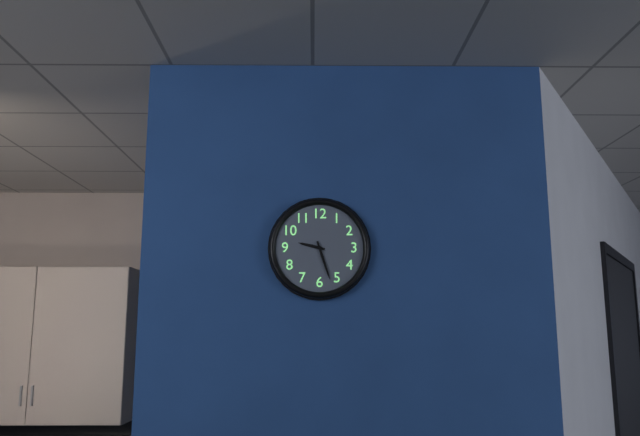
9:27
